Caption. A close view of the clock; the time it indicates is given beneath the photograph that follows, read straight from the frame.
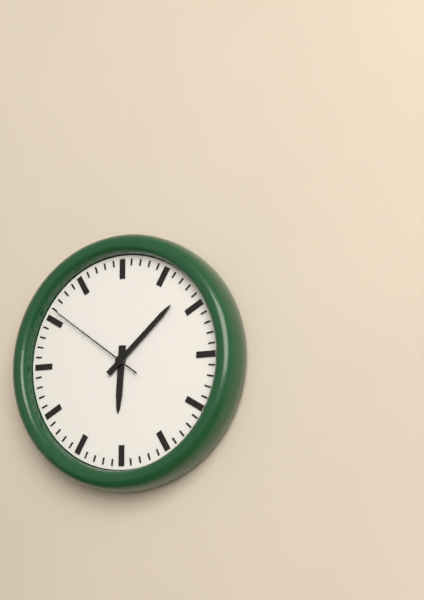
6:08:51
